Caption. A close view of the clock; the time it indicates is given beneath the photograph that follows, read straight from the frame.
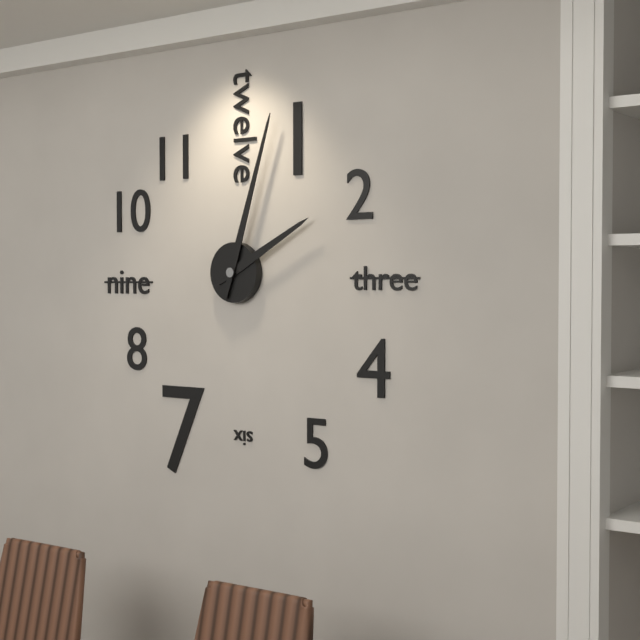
2:03
